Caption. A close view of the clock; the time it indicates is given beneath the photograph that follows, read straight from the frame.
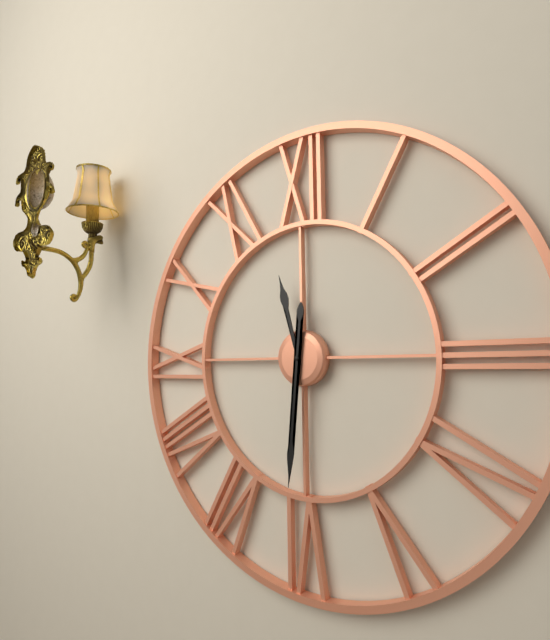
11:31
